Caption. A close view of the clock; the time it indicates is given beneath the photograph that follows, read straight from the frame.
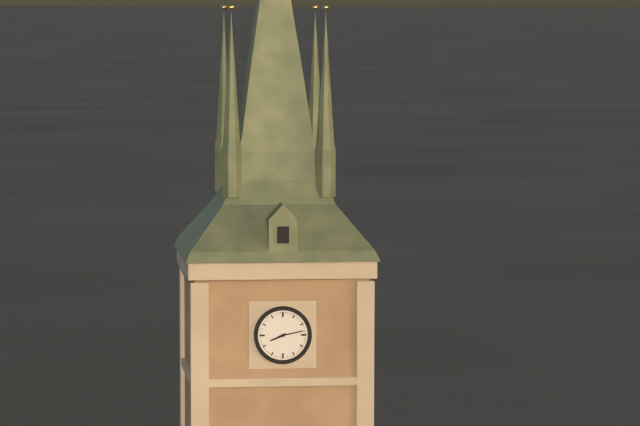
8:13
